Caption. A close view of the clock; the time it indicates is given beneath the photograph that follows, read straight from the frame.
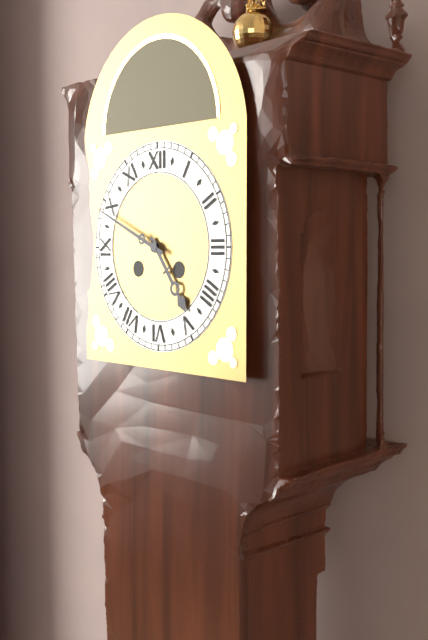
4:49
